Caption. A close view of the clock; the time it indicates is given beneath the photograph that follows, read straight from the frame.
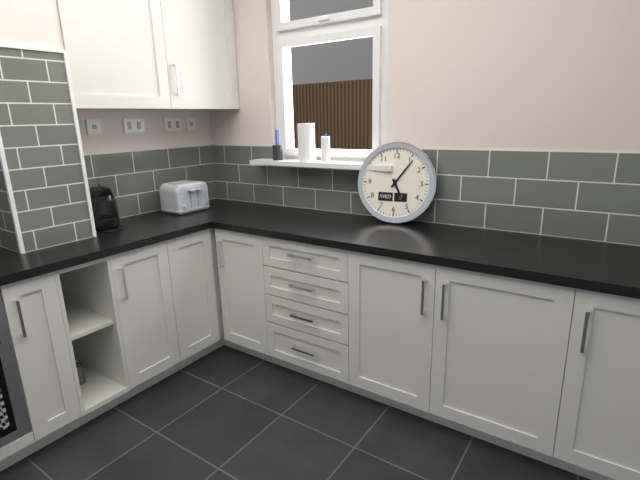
5:06
